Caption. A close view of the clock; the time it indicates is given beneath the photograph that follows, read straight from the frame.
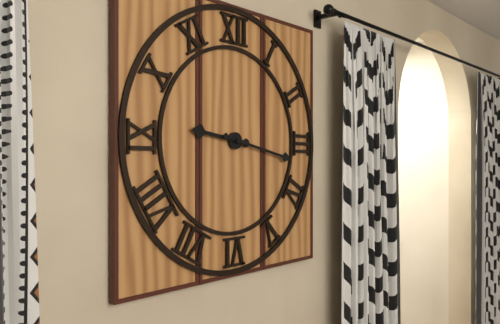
9:17
